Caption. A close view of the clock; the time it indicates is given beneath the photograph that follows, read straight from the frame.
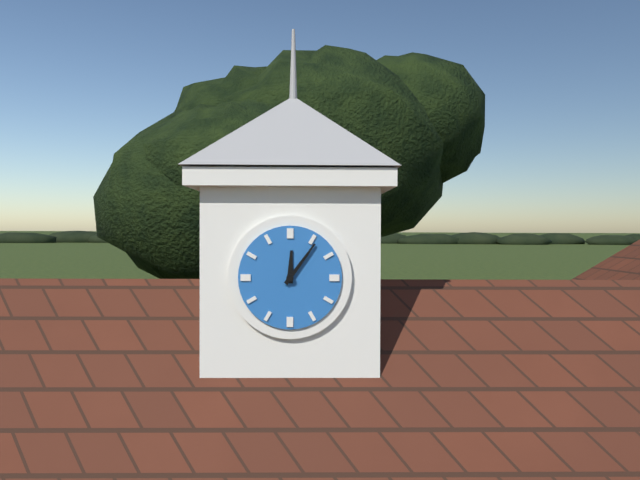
12:06
